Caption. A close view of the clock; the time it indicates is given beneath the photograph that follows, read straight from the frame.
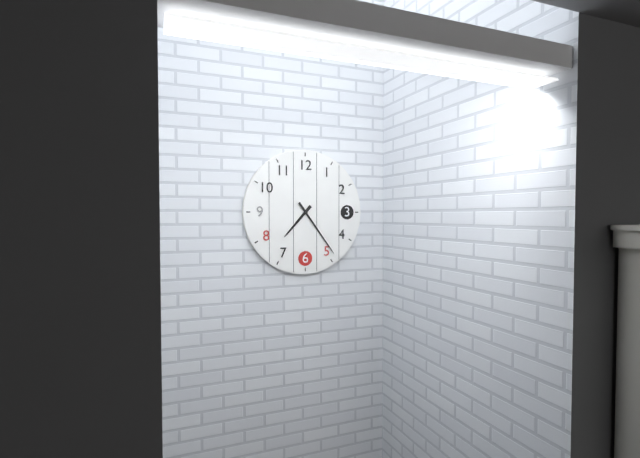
7:24
